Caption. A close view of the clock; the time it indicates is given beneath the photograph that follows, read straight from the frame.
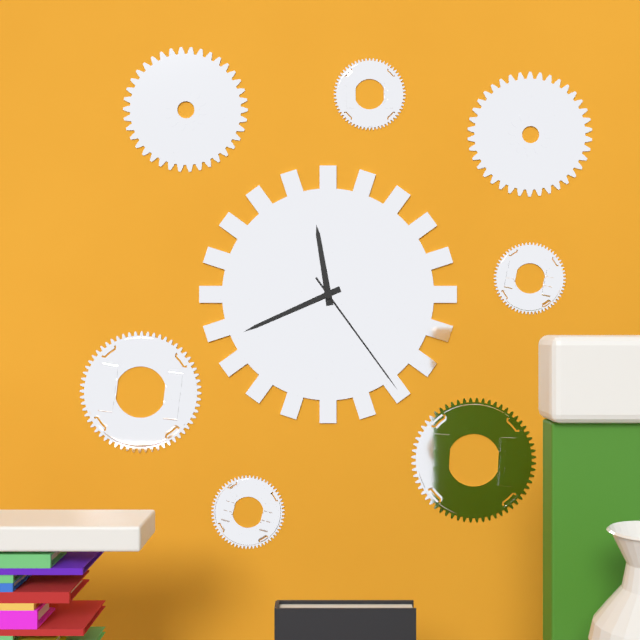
11:41:24
